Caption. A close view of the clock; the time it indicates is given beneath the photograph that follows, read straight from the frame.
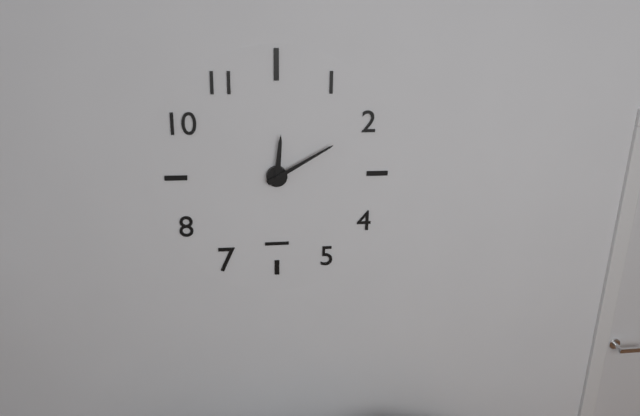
12:10
